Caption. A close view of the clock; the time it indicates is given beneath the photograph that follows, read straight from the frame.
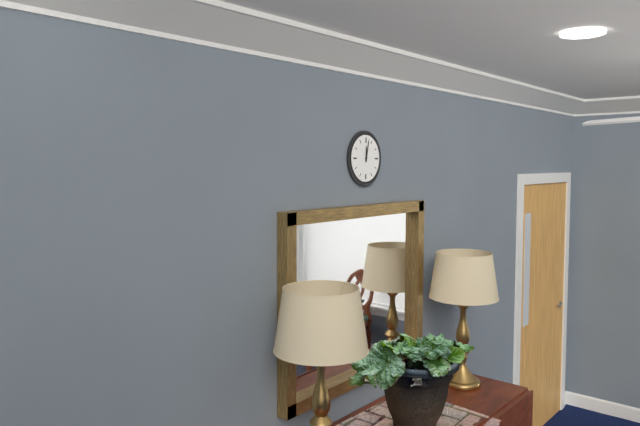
12:02
